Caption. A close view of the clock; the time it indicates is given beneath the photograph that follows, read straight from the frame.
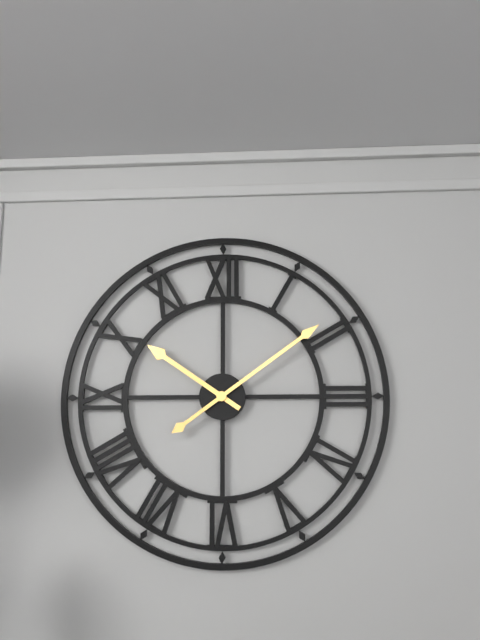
10:09
